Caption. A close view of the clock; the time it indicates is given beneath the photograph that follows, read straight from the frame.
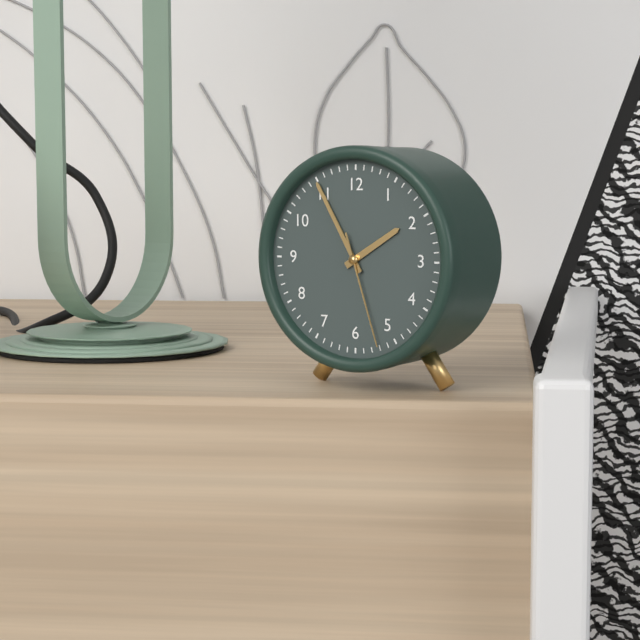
1:55:27
